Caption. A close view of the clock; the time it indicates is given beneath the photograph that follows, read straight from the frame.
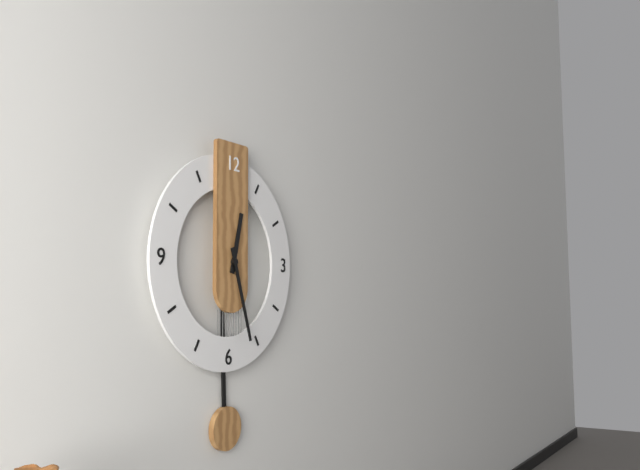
12:27
